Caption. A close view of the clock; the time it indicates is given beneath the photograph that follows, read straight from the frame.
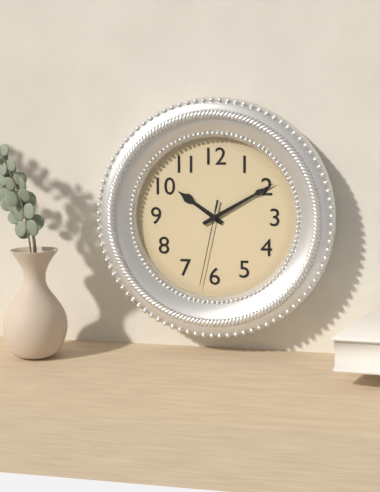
10:10:32
